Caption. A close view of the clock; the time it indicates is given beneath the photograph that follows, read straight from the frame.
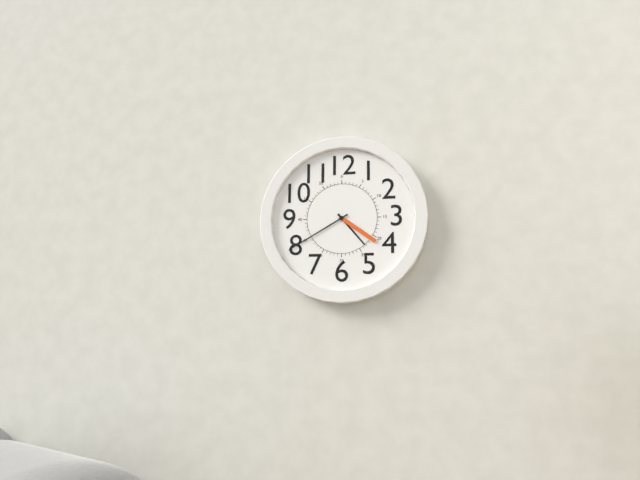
4:40:21
